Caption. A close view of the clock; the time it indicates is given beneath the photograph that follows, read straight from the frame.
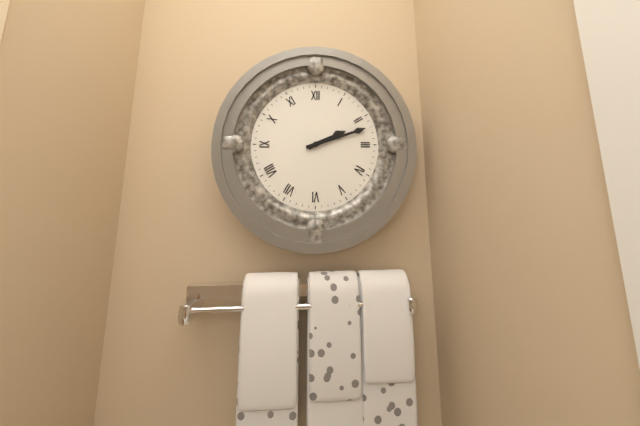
2:12
